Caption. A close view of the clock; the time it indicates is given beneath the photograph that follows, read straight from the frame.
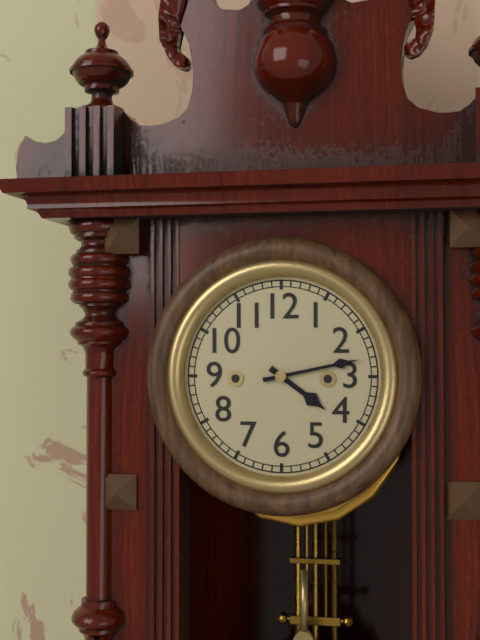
4:13
